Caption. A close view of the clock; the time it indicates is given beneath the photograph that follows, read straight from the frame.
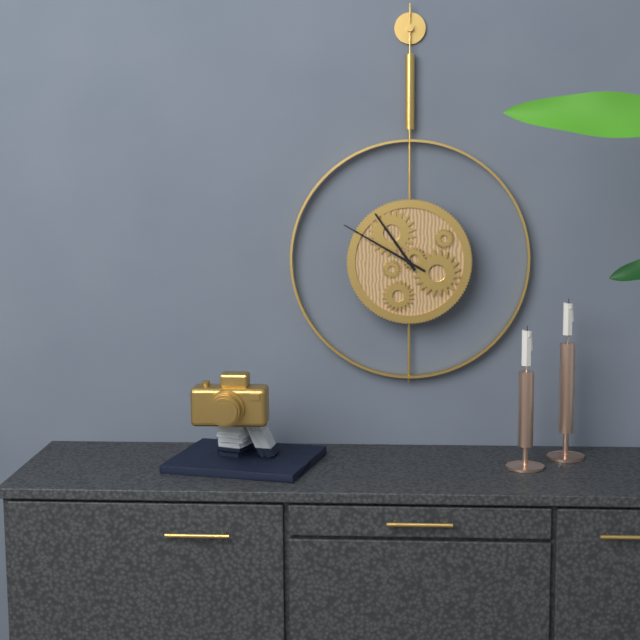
10:50
